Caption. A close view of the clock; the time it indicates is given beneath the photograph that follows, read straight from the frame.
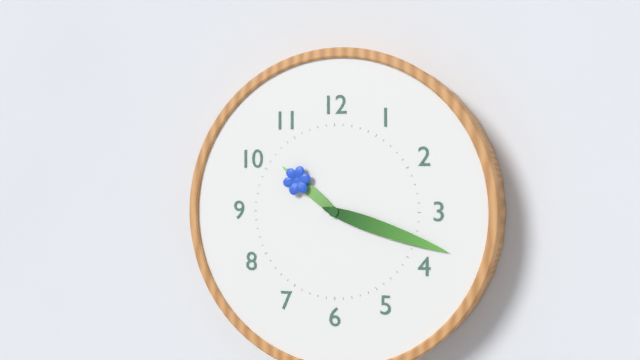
10:18
